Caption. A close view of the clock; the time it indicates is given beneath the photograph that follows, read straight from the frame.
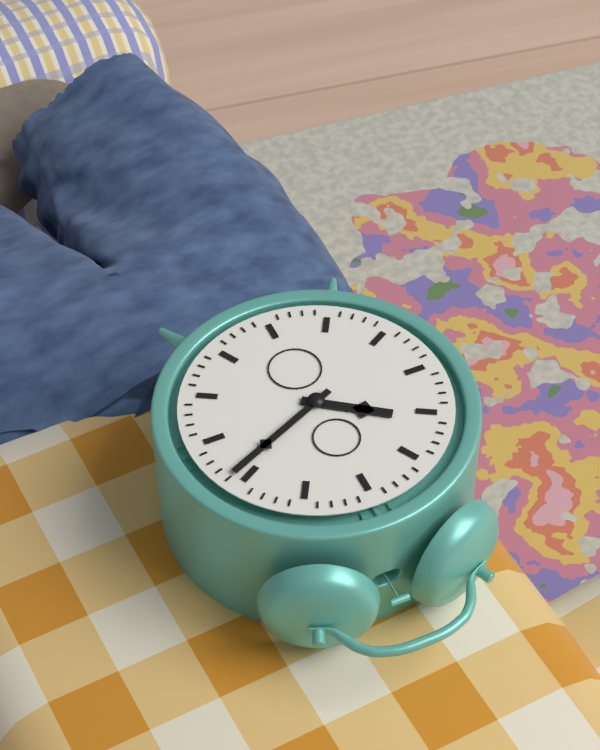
10:11
